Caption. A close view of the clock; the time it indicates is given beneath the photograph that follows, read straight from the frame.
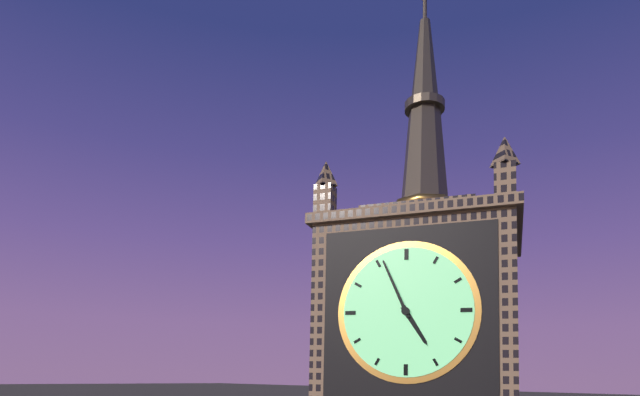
4:56
